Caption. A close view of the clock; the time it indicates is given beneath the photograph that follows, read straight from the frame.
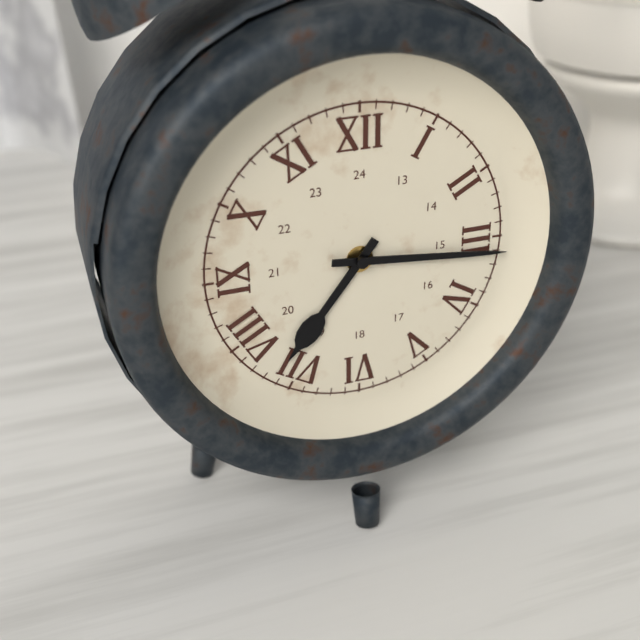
7:16
